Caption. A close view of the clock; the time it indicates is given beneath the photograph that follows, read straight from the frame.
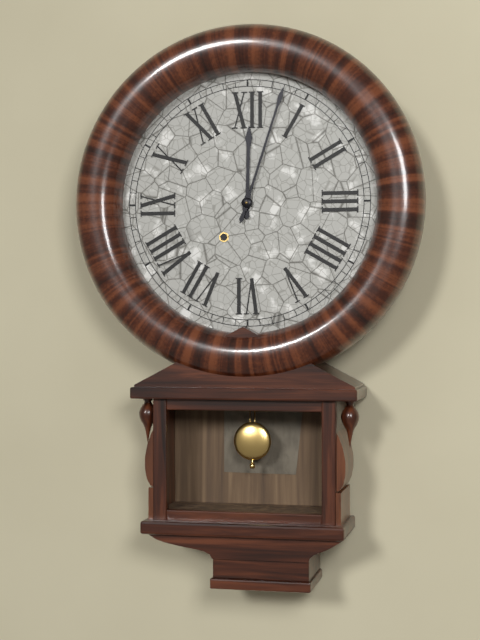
12:03
